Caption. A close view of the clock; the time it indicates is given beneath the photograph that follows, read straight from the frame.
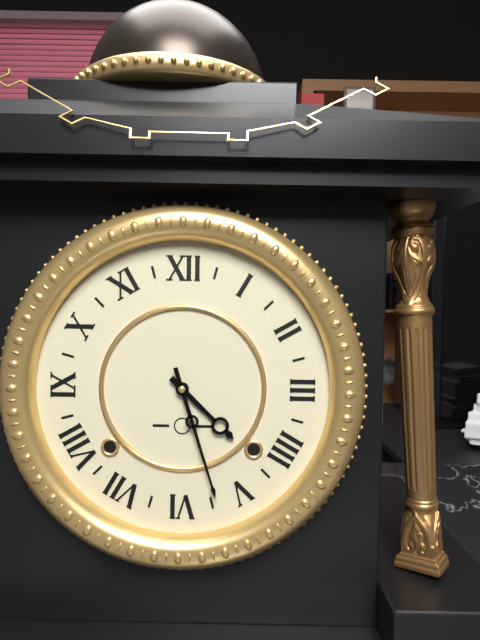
4:27
